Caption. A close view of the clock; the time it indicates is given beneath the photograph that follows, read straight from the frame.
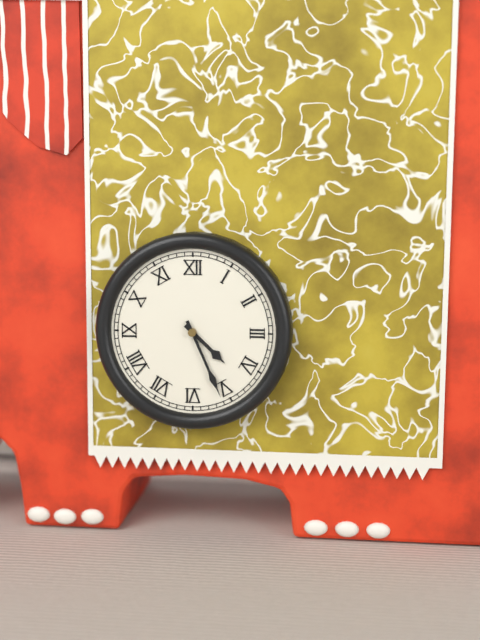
4:26
